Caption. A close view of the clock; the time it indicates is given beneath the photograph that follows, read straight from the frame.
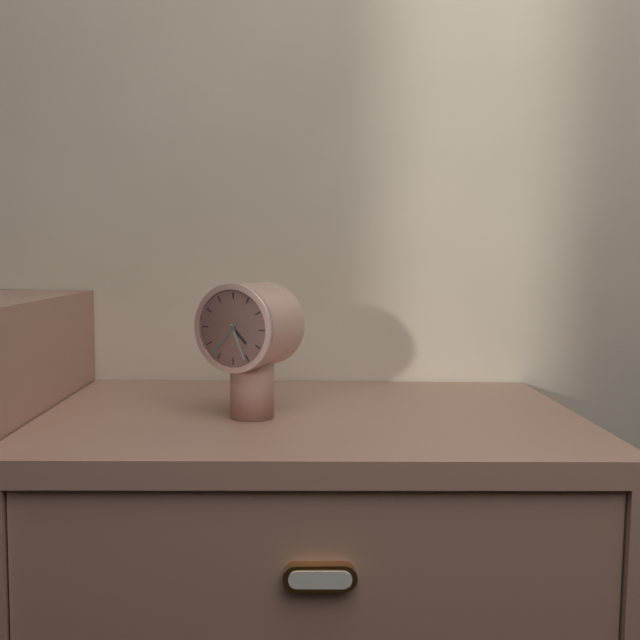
4:26
